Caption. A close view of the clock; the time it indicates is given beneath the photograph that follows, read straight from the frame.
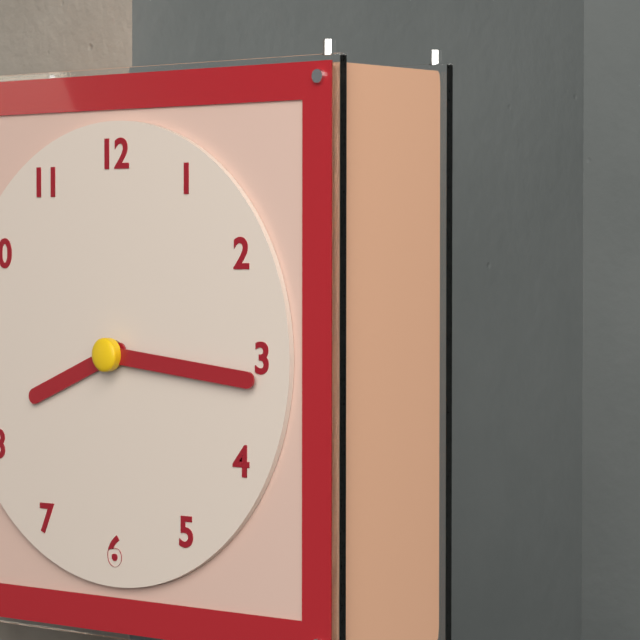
8:16
